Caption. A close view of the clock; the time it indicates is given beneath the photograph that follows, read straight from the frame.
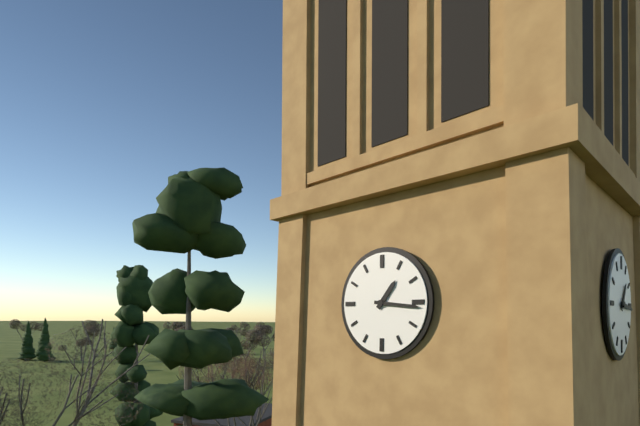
1:16
